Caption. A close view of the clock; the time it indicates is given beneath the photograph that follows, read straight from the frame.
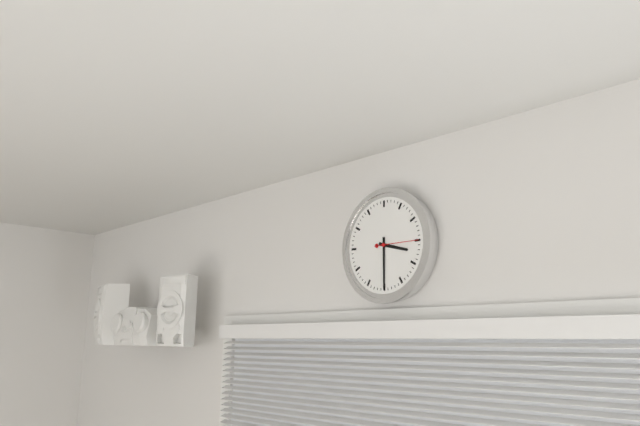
3:30
